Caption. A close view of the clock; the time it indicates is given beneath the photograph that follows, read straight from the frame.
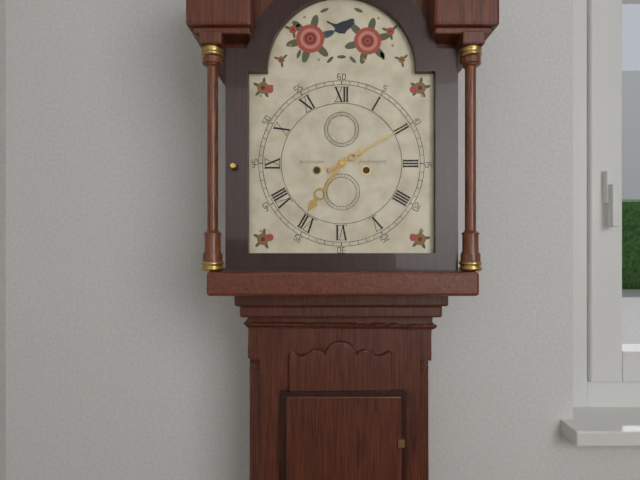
7:10
